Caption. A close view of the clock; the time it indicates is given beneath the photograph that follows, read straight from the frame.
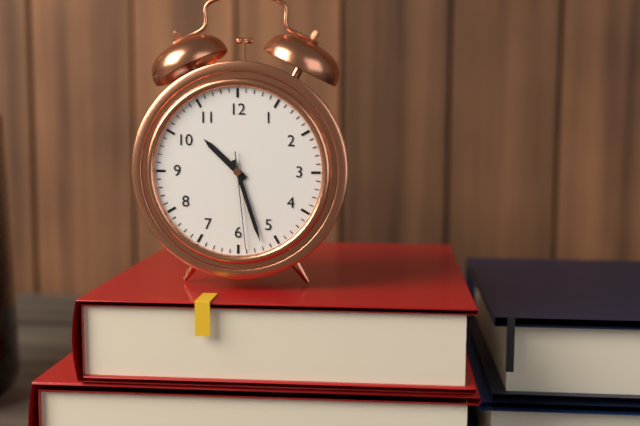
10:27:29
